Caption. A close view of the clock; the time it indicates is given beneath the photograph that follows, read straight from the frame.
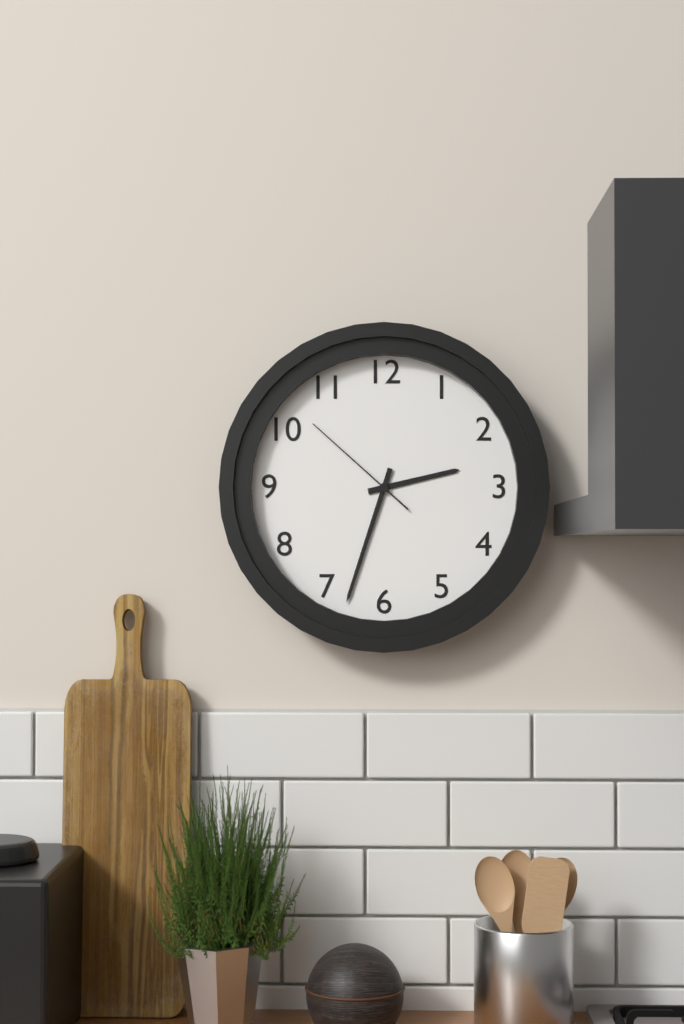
2:33:52
